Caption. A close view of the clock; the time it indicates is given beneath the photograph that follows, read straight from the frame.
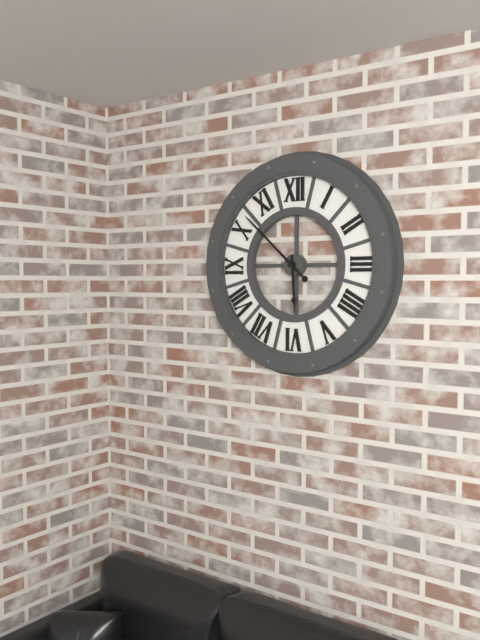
5:52
